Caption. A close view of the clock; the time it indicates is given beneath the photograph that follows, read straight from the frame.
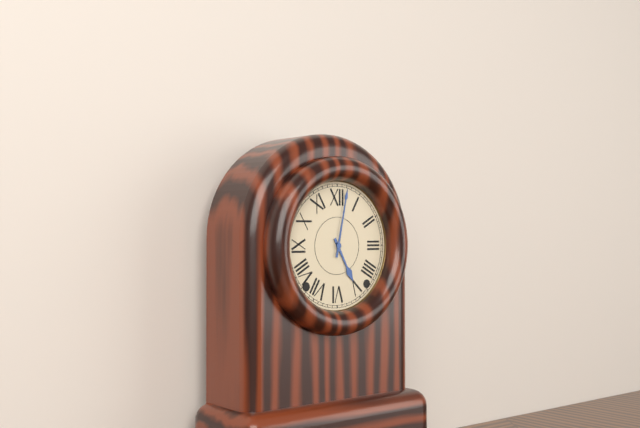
5:02
